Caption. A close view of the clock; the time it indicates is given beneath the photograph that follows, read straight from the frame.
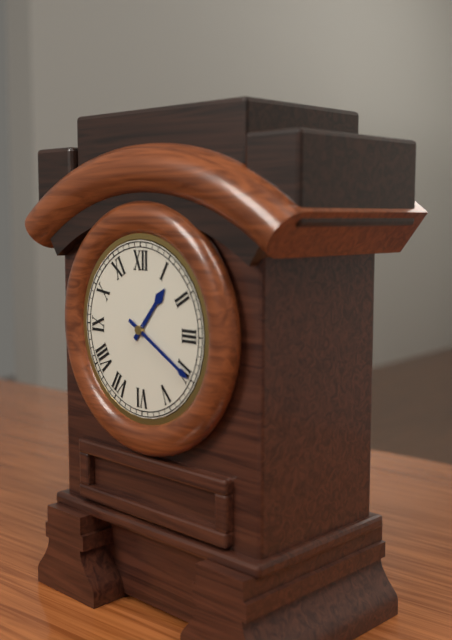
1:20
